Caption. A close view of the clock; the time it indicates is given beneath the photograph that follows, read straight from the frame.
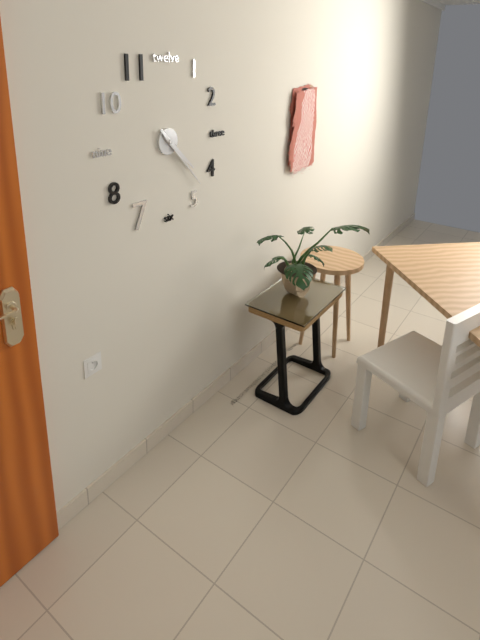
4:23
